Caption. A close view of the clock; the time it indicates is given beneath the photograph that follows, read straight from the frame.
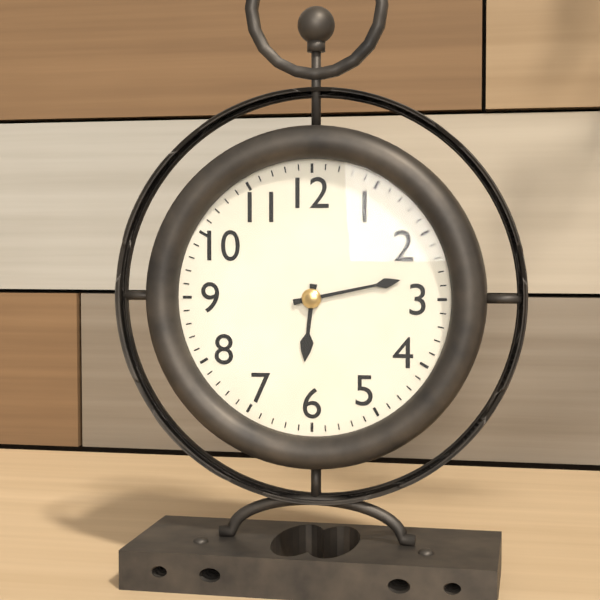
6:13
